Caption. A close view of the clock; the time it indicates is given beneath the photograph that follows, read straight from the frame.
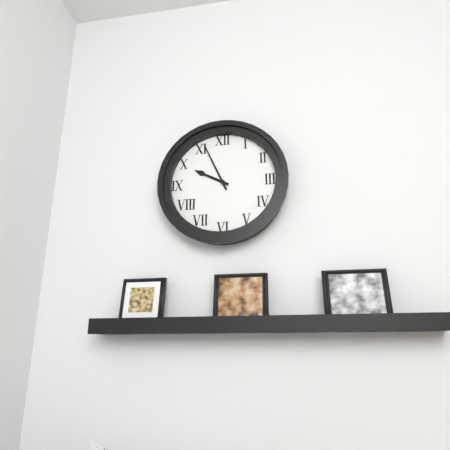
9:56
